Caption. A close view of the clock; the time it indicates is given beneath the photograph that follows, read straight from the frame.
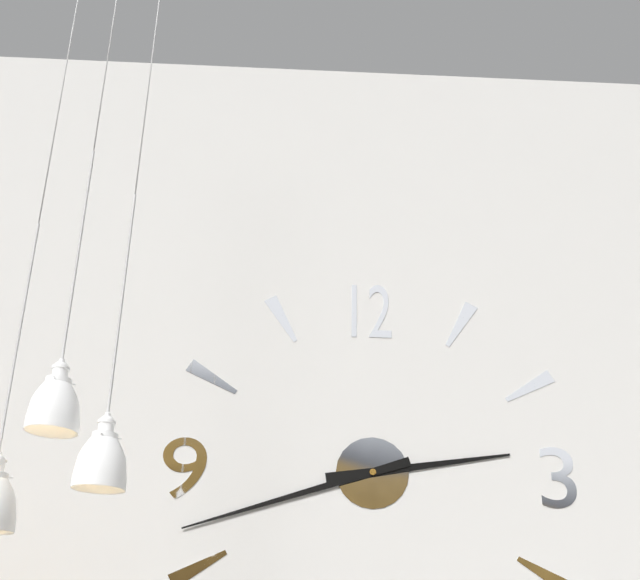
2:42
